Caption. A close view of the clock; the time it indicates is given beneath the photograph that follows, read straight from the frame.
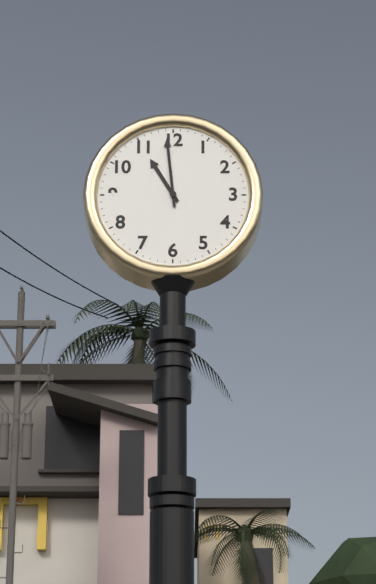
10:59
